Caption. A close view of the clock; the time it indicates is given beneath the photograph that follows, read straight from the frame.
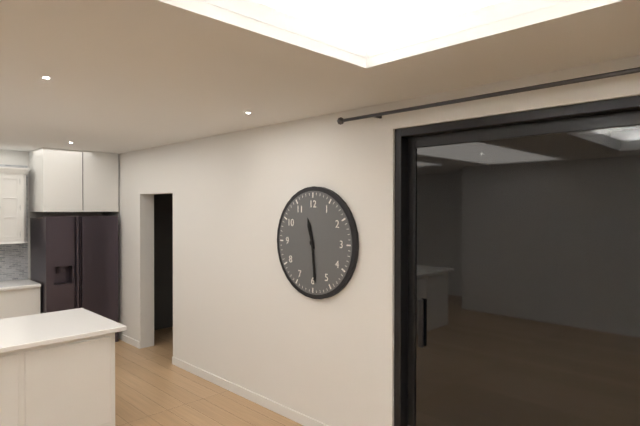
11:29
